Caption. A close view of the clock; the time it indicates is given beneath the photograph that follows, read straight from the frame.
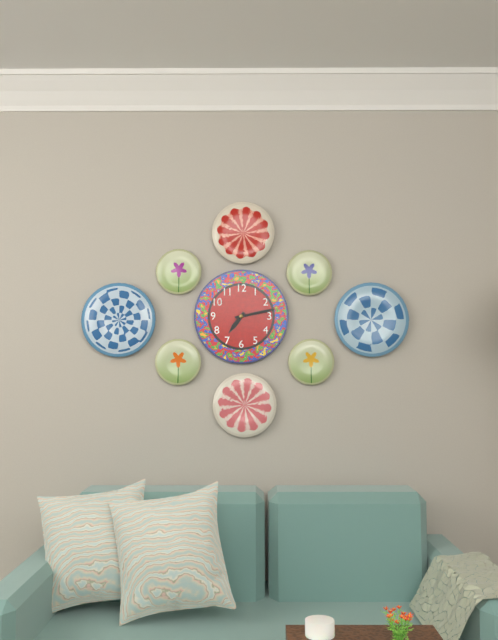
7:13
